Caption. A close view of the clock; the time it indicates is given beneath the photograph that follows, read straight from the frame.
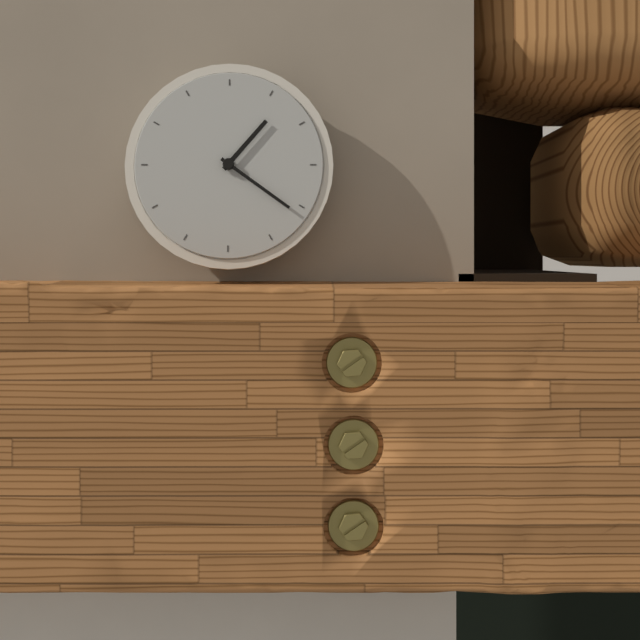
1:21
